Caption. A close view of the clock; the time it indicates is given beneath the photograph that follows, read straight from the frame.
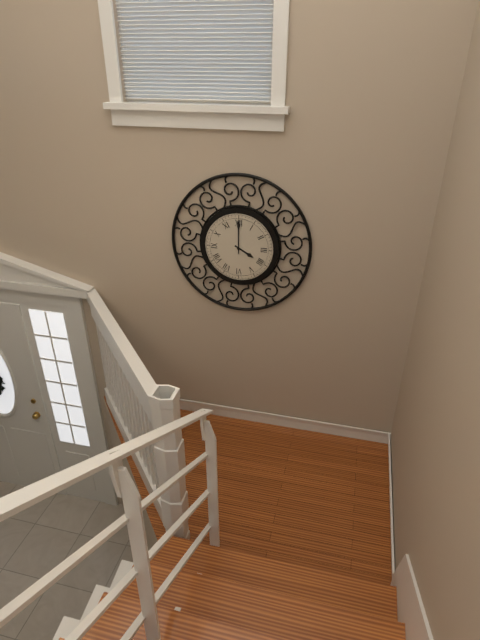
4:00
